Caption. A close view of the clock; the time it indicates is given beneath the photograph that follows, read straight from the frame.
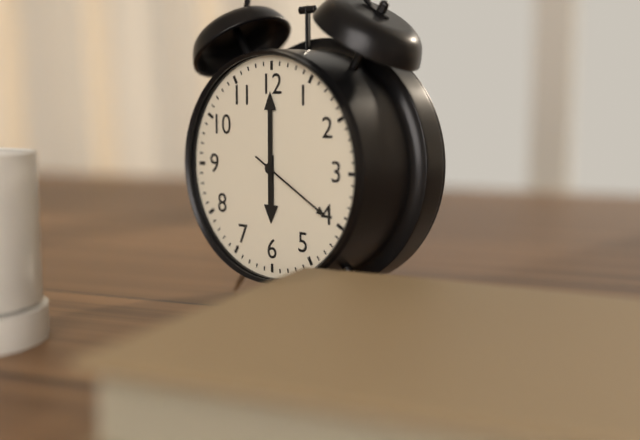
6:00:20
